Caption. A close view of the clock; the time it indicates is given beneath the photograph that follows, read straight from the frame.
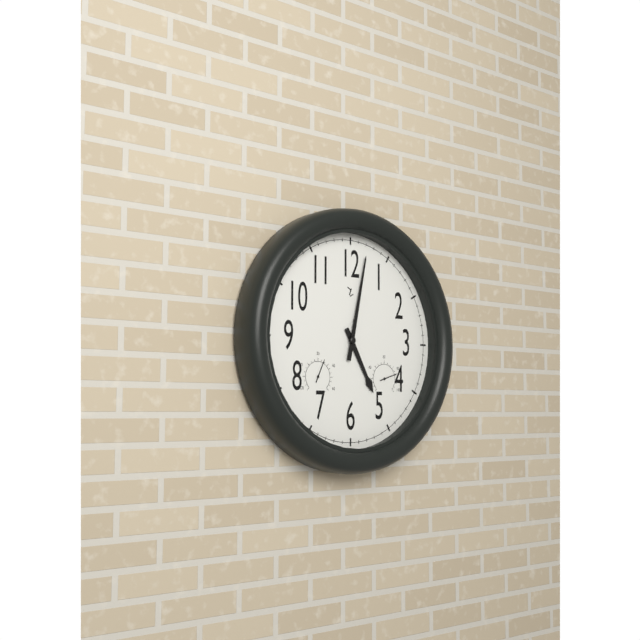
5:02
